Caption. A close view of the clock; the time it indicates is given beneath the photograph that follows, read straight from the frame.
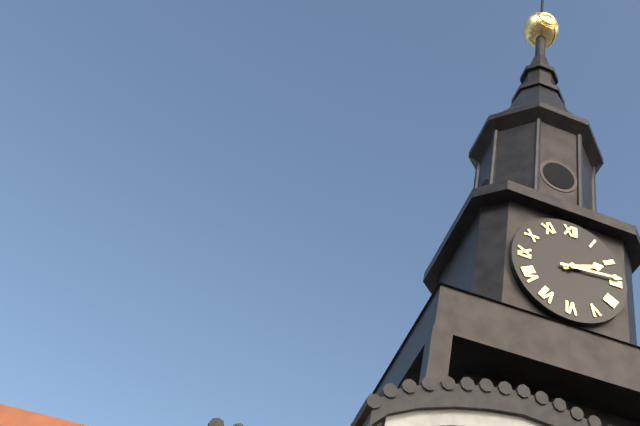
2:14
